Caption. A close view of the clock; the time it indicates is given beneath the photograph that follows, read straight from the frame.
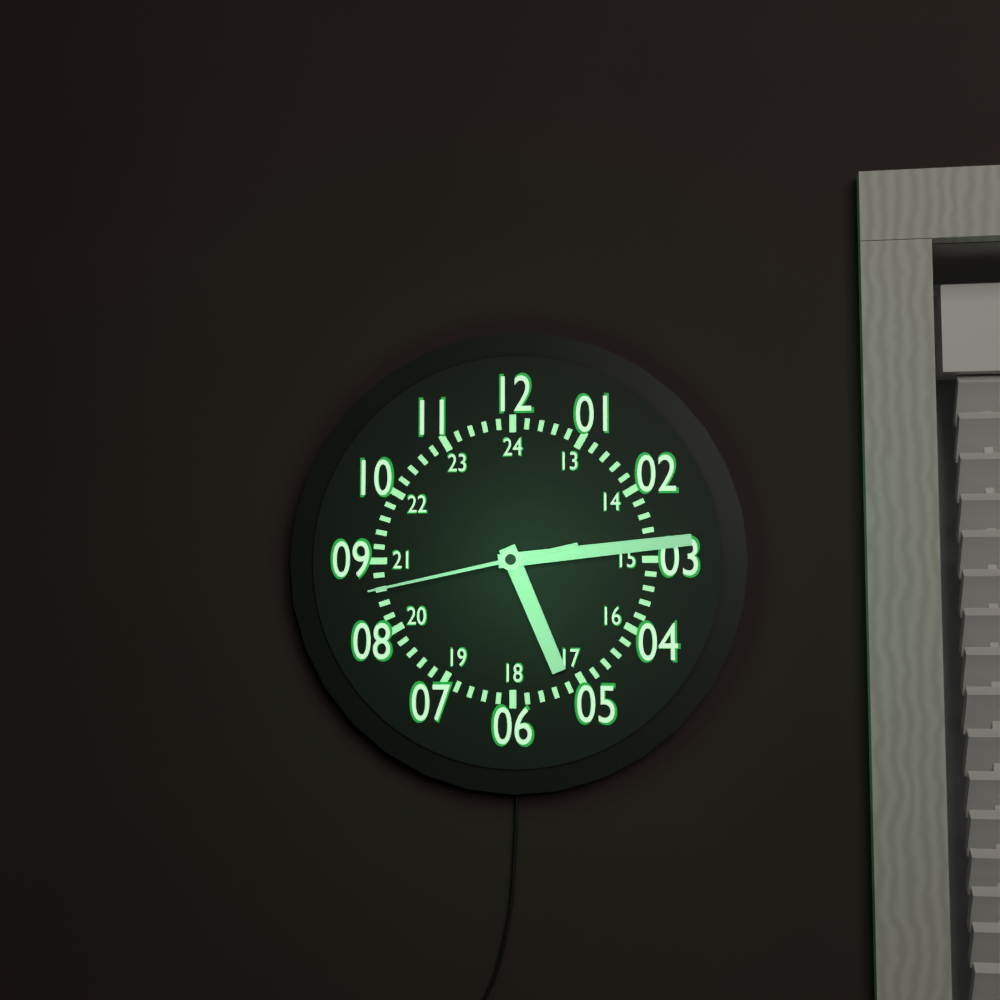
5:14:43
